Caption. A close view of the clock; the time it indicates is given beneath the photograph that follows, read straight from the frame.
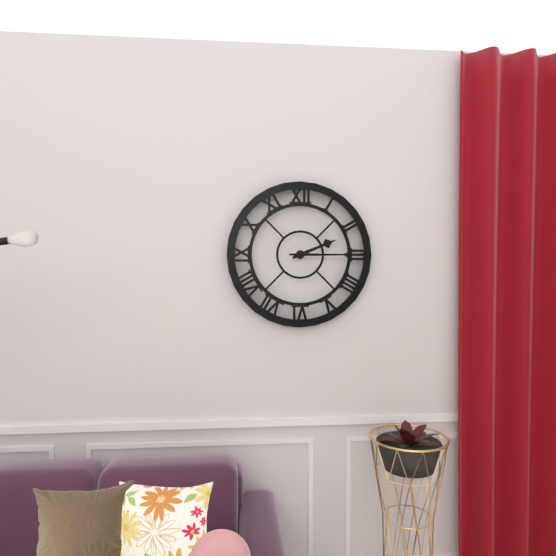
2:15
